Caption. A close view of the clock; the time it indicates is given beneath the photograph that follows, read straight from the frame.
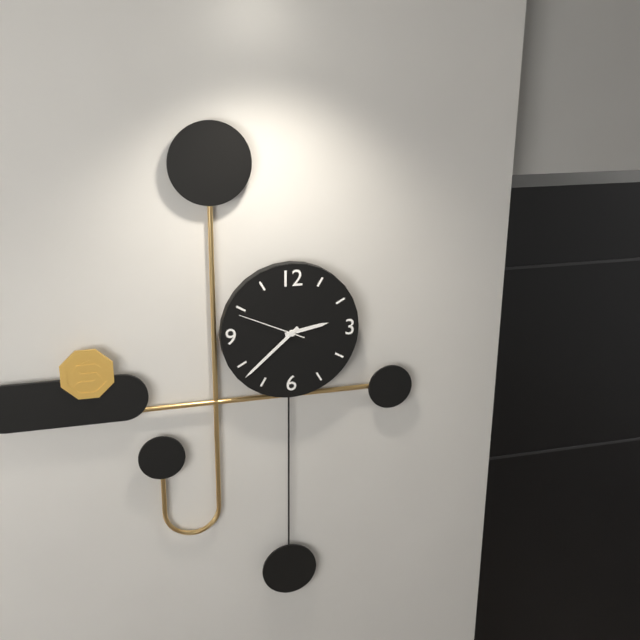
2:38:49
